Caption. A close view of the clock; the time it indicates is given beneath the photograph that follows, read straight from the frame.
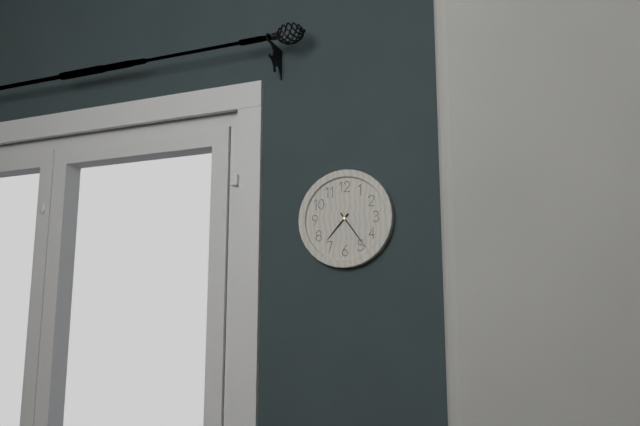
7:24
